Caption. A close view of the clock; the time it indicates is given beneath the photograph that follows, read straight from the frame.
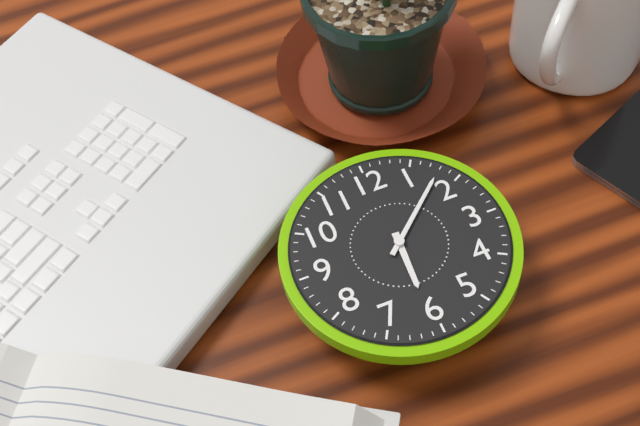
6:08
